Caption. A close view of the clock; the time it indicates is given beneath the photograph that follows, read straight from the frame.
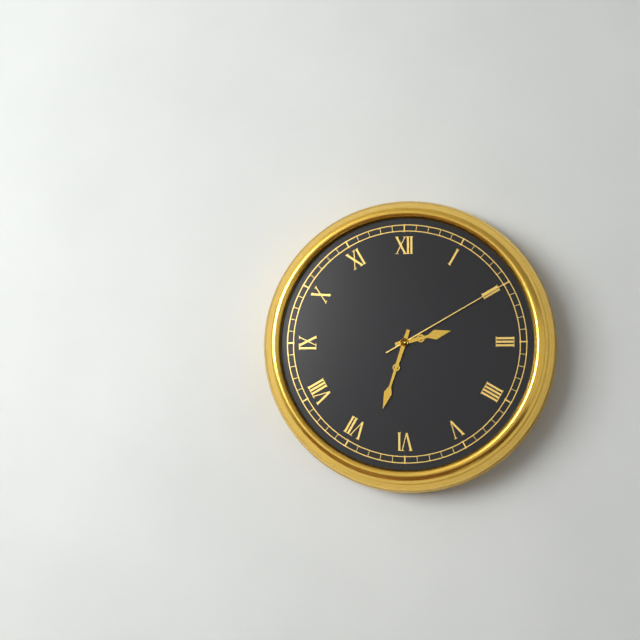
2:33:10
